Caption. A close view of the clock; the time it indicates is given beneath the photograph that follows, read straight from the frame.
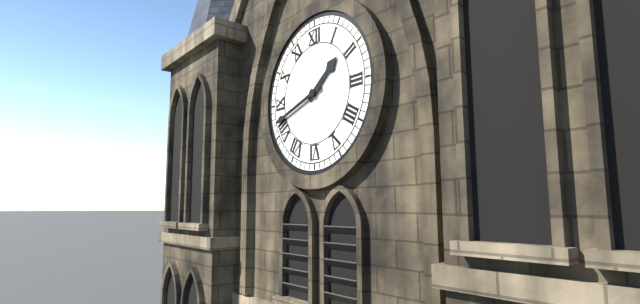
1:42
